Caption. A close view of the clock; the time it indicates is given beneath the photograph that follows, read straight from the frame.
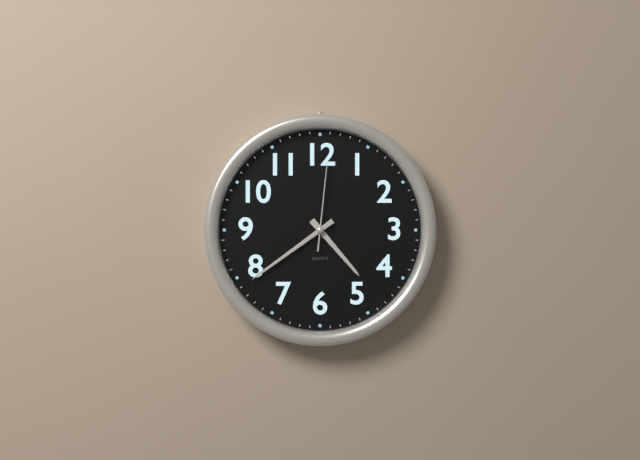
4:39:01
